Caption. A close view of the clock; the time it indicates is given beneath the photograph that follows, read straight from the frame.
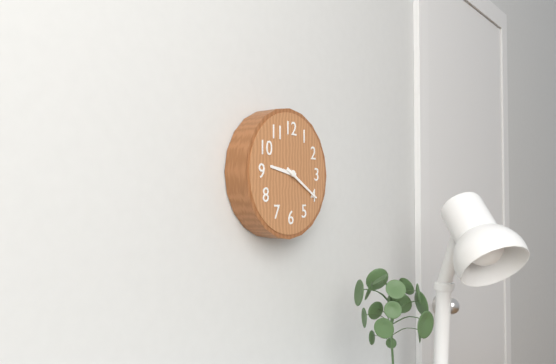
9:20
